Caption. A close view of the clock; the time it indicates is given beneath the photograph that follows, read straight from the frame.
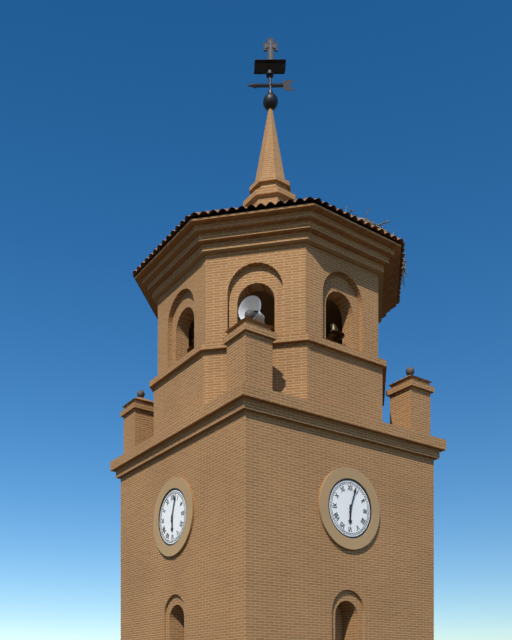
6:03
